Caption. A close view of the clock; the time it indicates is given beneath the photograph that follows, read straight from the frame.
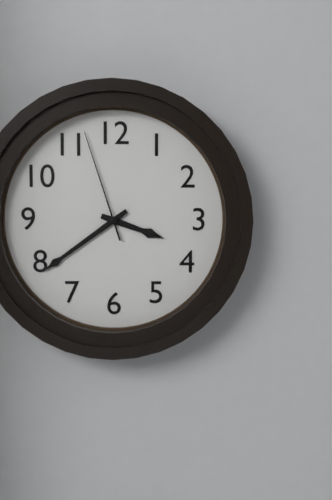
3:39:57
